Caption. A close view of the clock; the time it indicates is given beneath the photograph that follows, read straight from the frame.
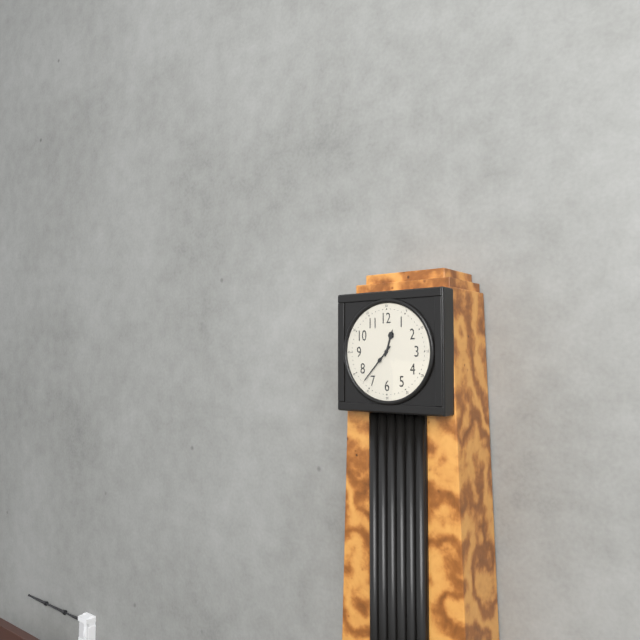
12:37
